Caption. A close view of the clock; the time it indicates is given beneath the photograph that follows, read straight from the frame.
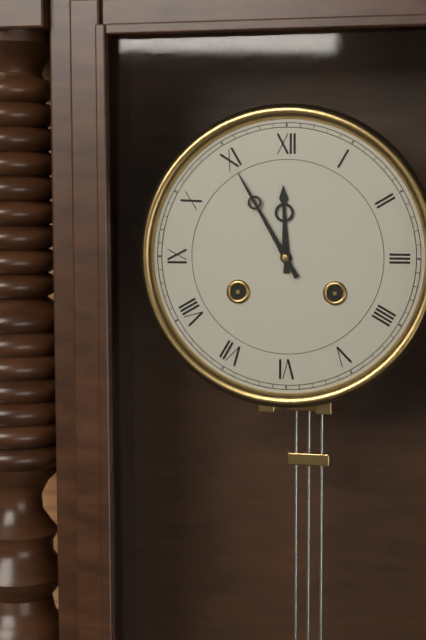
11:55
